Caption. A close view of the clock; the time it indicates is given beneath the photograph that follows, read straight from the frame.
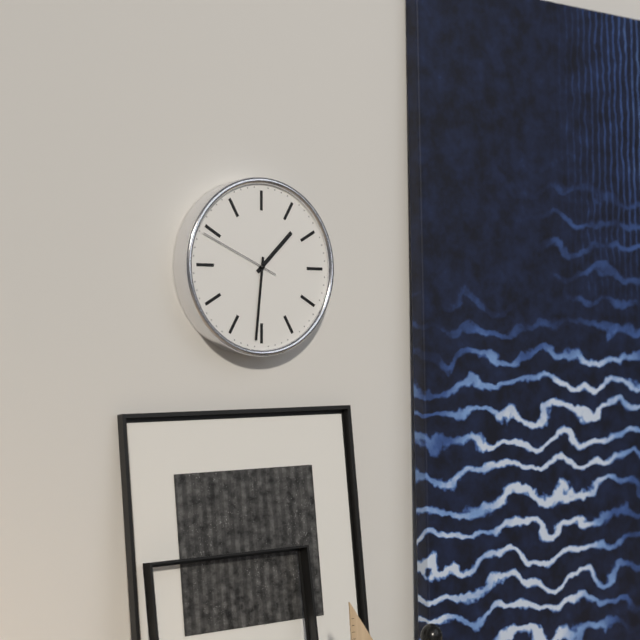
1:31:49
